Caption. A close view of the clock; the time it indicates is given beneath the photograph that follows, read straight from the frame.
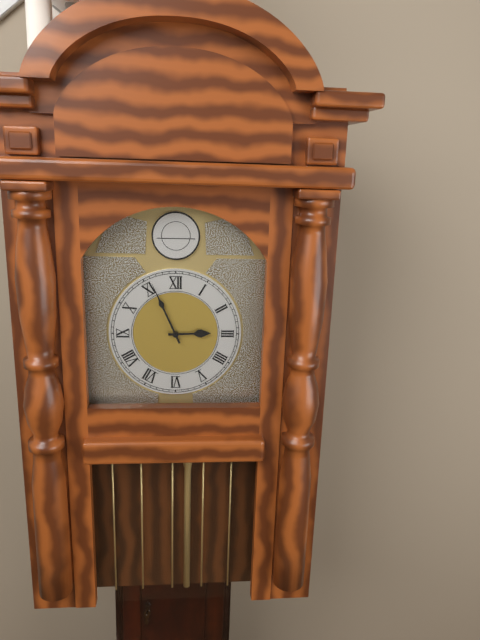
2:56
